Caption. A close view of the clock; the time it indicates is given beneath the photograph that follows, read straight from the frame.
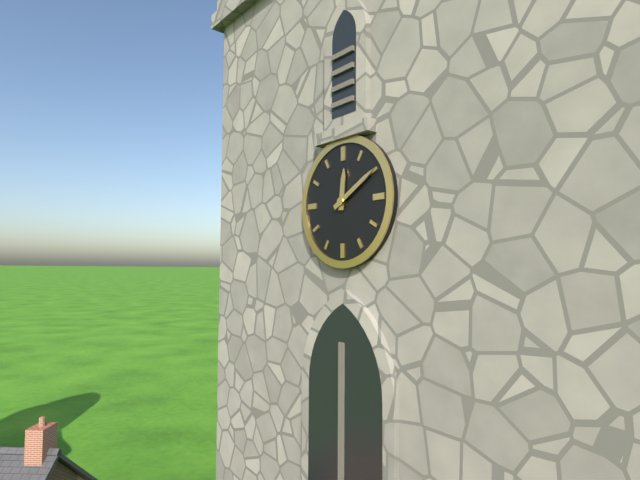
12:10
